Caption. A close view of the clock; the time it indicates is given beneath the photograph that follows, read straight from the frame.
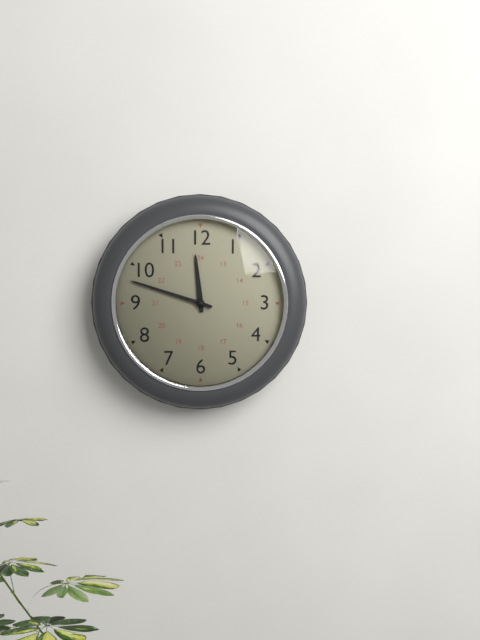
11:48
